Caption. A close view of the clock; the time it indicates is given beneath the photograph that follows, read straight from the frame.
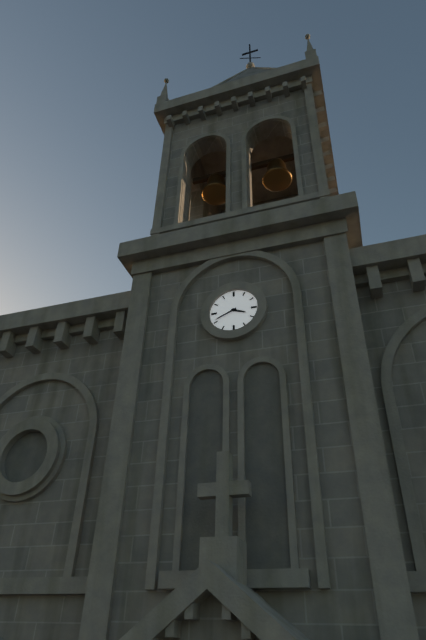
3:41
